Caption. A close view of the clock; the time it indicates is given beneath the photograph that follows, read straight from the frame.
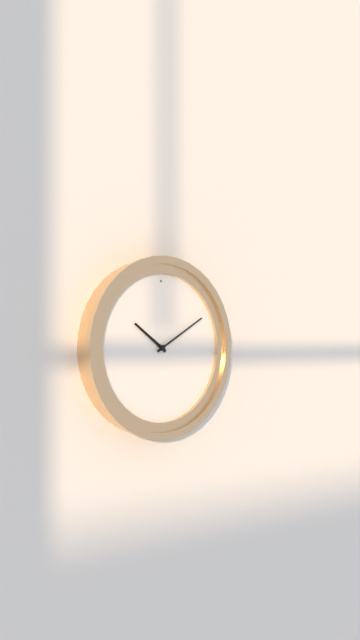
10:10
